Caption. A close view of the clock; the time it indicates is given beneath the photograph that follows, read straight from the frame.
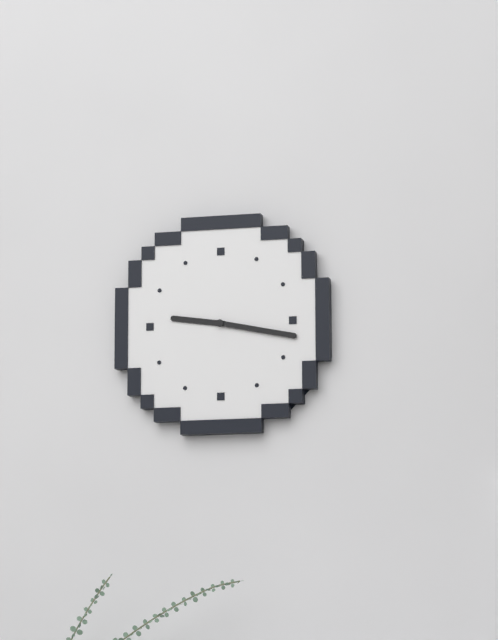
9:17
